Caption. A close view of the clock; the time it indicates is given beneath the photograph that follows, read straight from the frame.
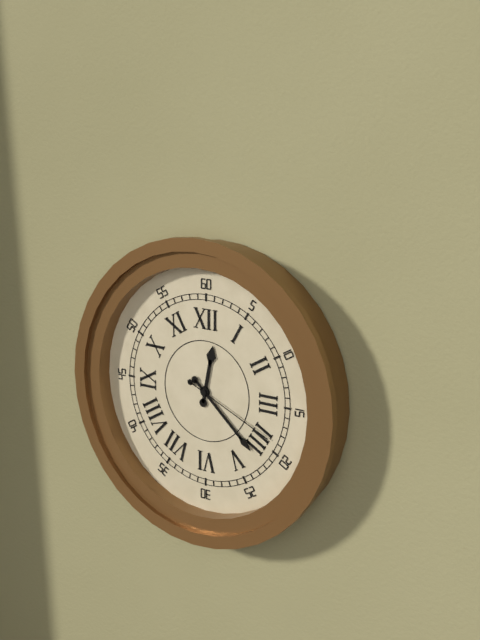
12:22:19
